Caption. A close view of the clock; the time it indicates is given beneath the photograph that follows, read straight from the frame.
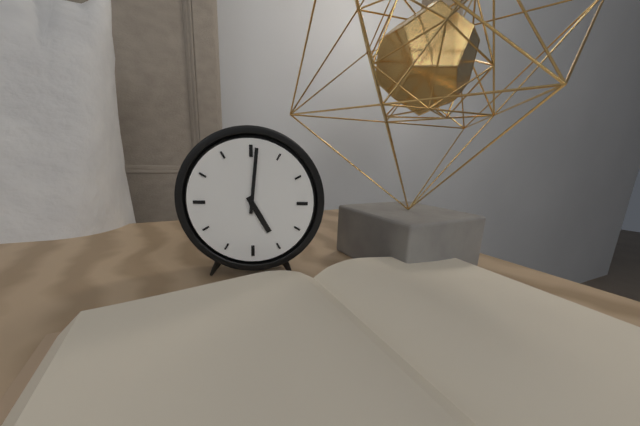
5:01
